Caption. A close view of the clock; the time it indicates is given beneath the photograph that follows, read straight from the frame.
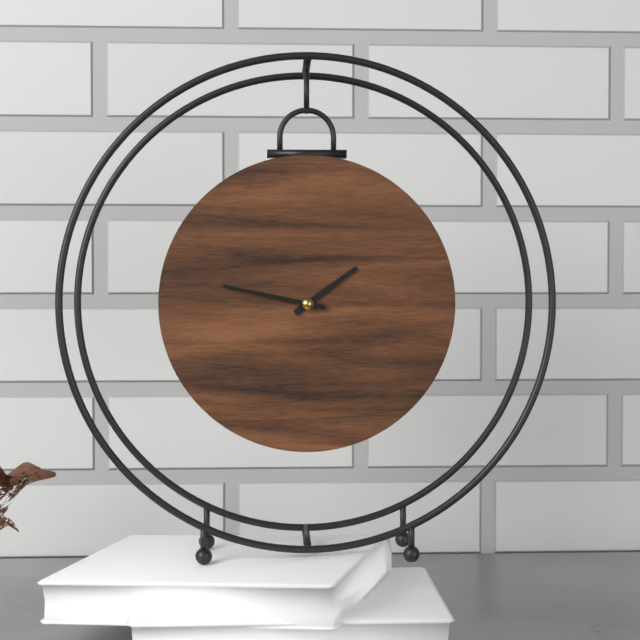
1:47
